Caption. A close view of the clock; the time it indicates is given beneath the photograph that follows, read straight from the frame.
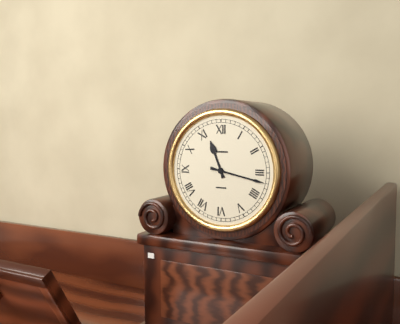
11:17
